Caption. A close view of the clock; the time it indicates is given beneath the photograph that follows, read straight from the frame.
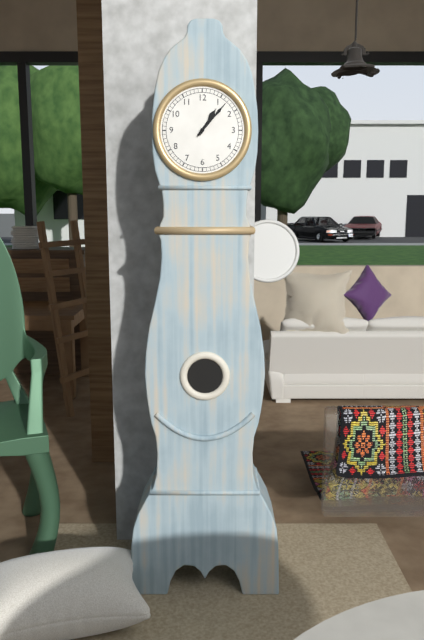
1:07
